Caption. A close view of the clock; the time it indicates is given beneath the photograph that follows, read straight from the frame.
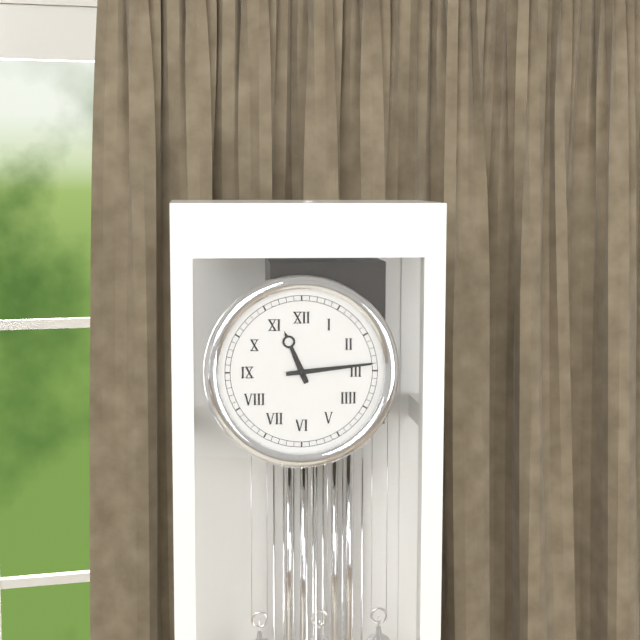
11:14
